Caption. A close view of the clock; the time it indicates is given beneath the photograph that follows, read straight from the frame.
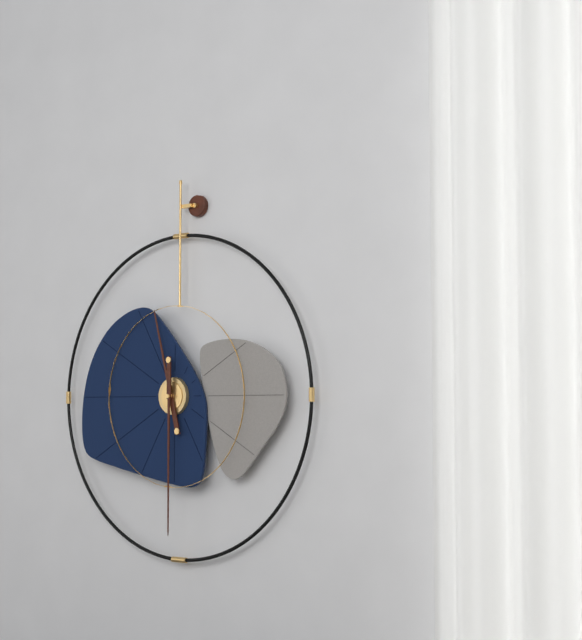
11:30
